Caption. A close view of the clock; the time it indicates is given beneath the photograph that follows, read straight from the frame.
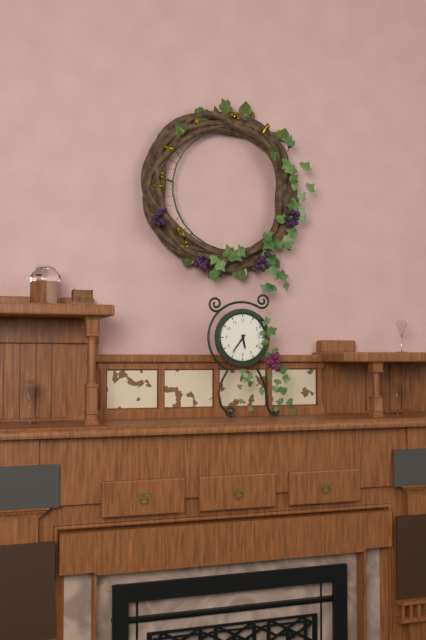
5:36
